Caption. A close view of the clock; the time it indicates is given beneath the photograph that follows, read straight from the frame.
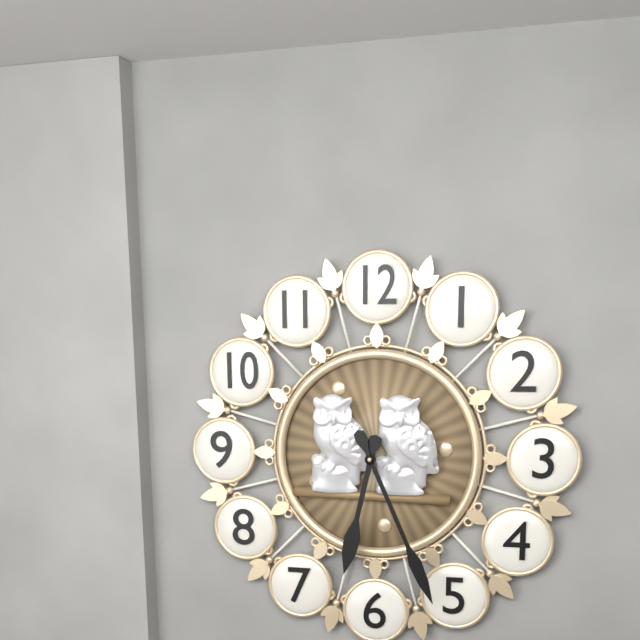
6:26
